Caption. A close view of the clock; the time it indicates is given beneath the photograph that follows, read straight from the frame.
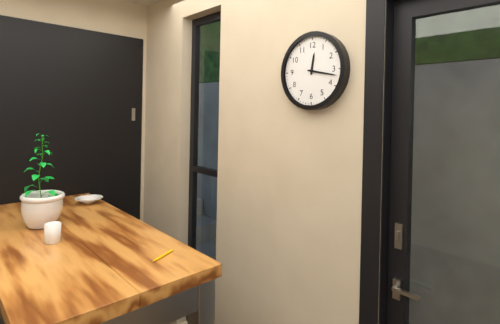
12:17
